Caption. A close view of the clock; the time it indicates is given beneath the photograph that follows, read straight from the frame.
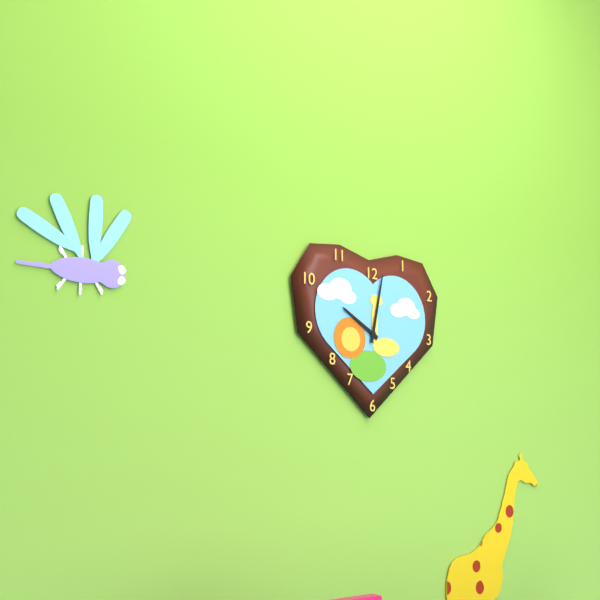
10:02
